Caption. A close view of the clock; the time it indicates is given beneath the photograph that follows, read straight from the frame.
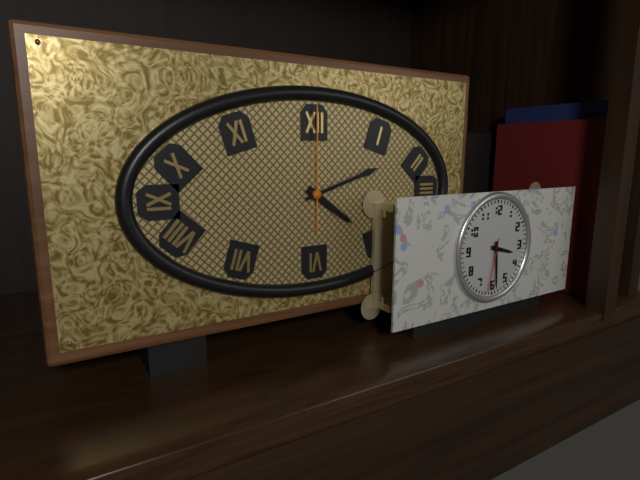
4:12:00
